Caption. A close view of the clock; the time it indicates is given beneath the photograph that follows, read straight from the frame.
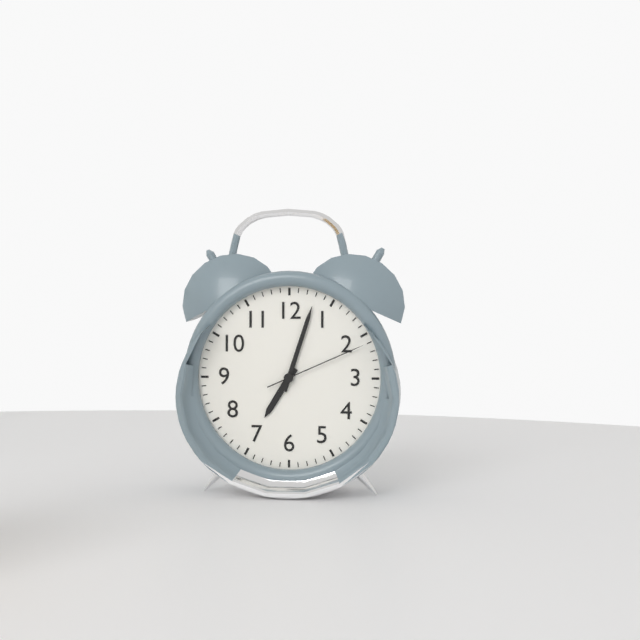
7:03:11
